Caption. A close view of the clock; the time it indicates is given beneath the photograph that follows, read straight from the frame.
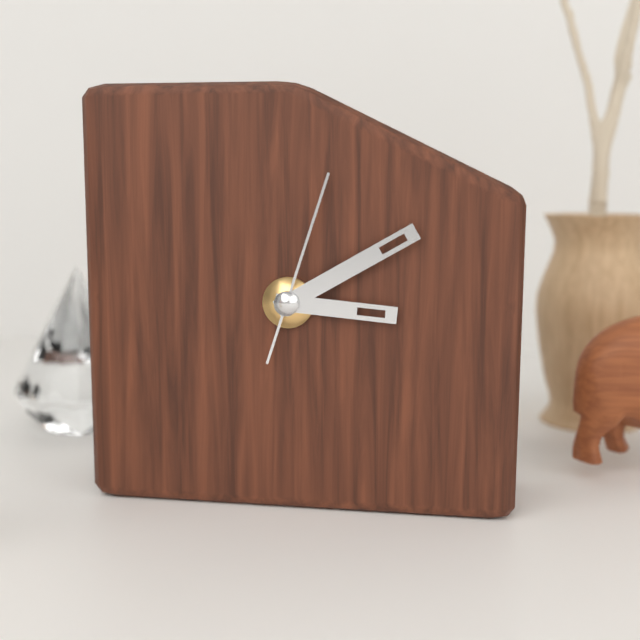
3:10:03
